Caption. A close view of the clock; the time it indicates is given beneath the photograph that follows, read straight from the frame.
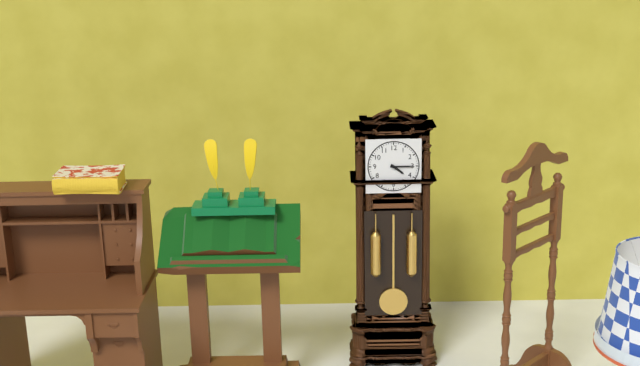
4:15
